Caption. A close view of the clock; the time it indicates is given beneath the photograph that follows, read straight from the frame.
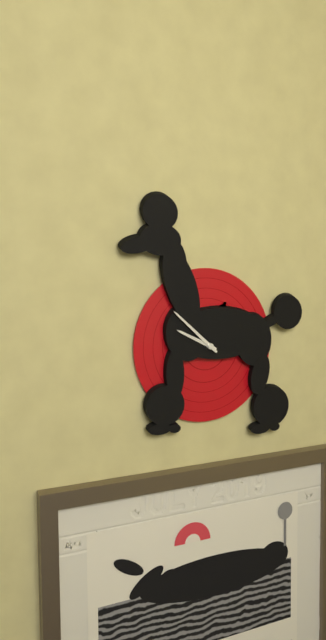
9:52
